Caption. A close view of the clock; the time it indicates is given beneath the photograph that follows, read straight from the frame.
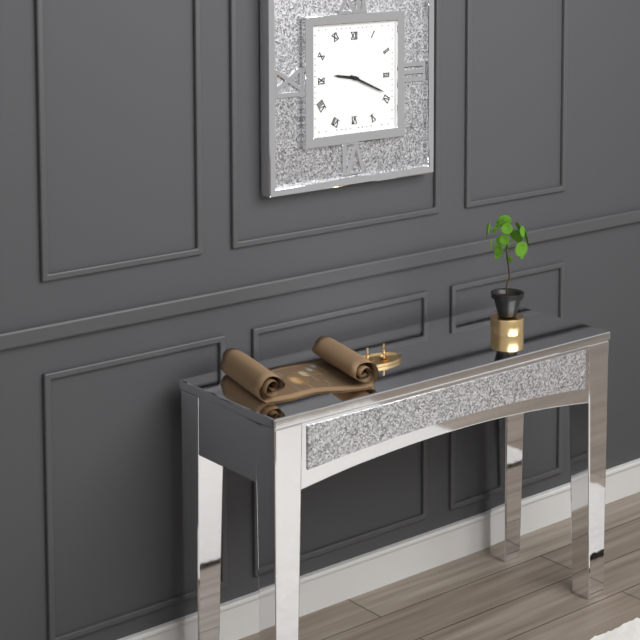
9:19
